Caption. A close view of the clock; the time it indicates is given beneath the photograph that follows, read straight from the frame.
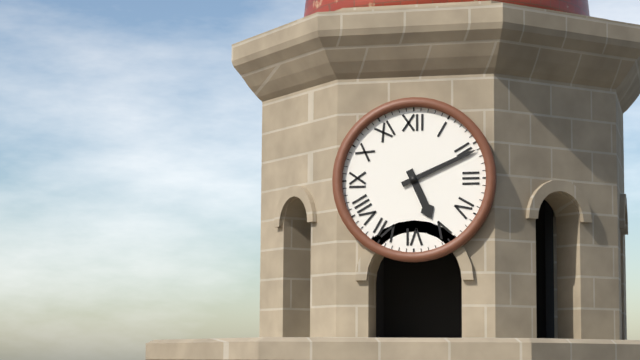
5:11
